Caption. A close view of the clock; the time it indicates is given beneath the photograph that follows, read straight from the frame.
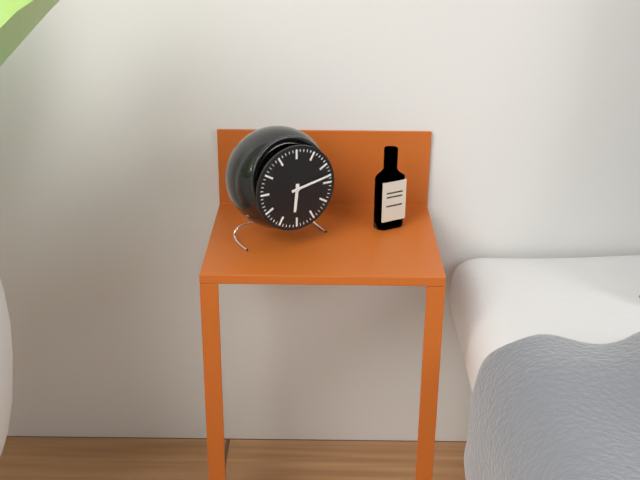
6:13
